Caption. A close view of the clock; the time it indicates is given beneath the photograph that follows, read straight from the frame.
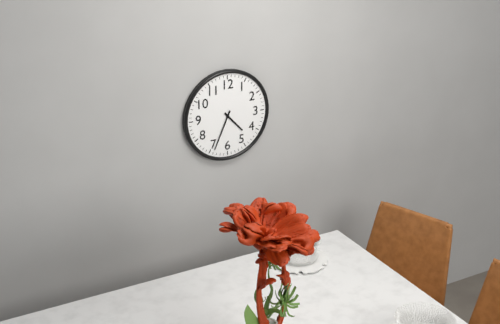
4:34
